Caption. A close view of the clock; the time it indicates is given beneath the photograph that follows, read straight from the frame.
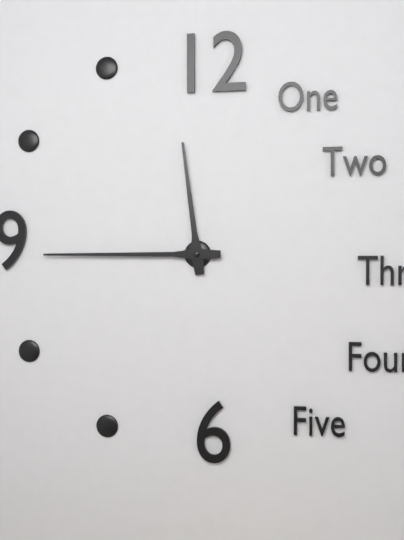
11:45
